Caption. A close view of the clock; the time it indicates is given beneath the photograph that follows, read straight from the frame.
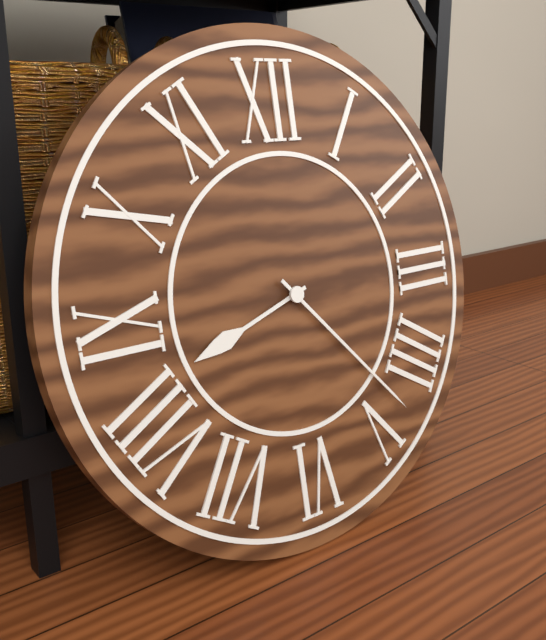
8:23
